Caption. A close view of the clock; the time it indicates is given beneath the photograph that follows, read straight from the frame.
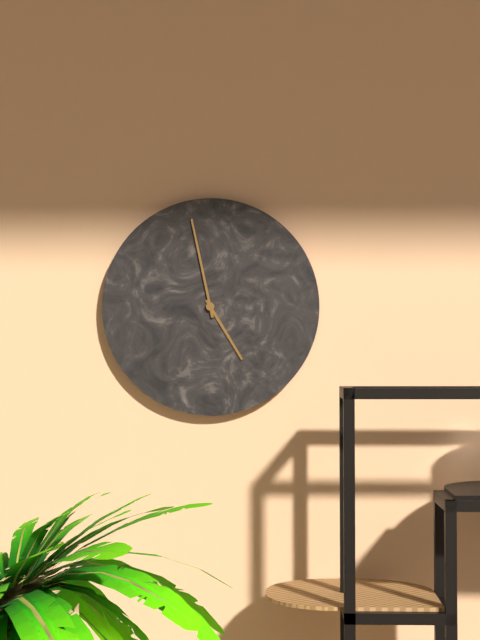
4:58
